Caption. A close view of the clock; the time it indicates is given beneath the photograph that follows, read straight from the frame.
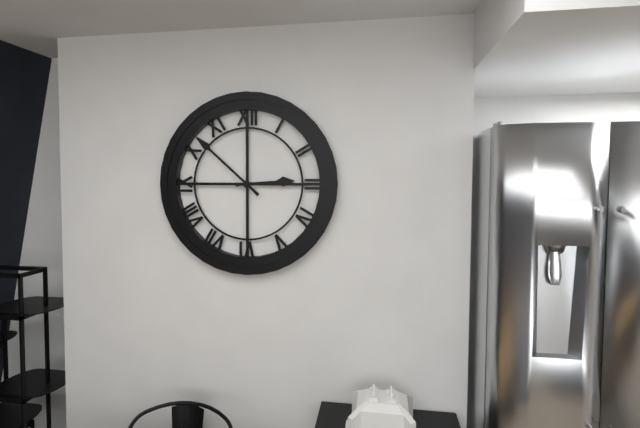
2:52
